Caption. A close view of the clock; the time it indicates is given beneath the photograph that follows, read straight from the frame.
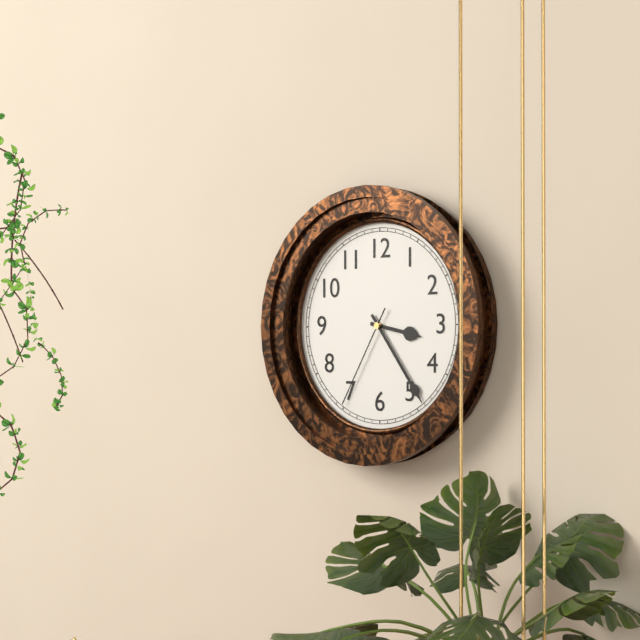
3:24:35
